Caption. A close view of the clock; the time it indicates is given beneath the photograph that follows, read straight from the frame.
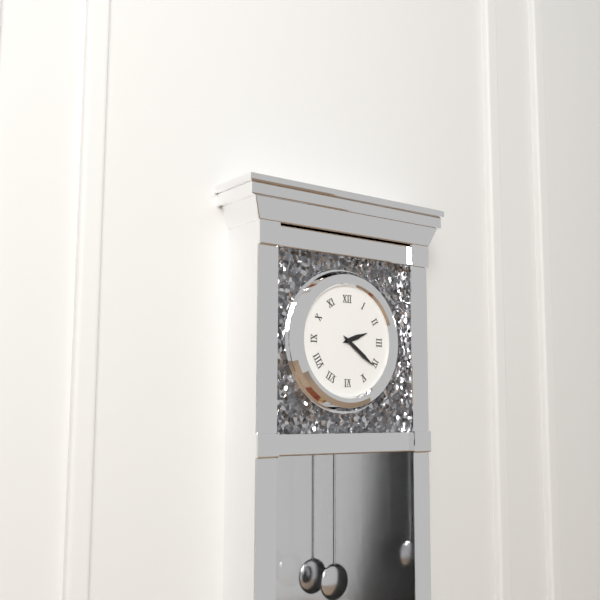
2:21
